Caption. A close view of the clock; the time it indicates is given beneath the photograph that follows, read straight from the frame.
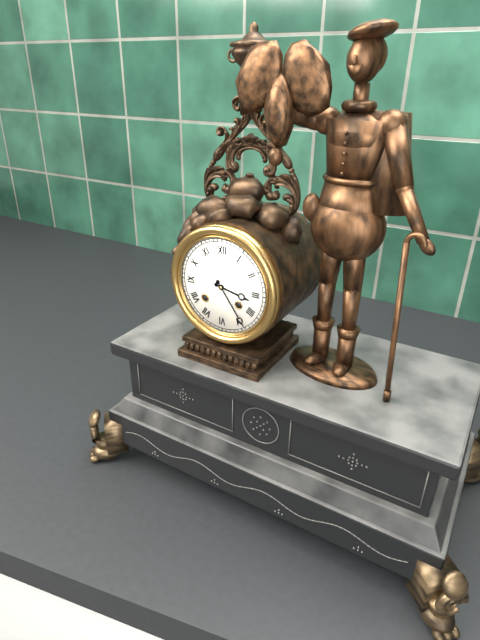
3:24
